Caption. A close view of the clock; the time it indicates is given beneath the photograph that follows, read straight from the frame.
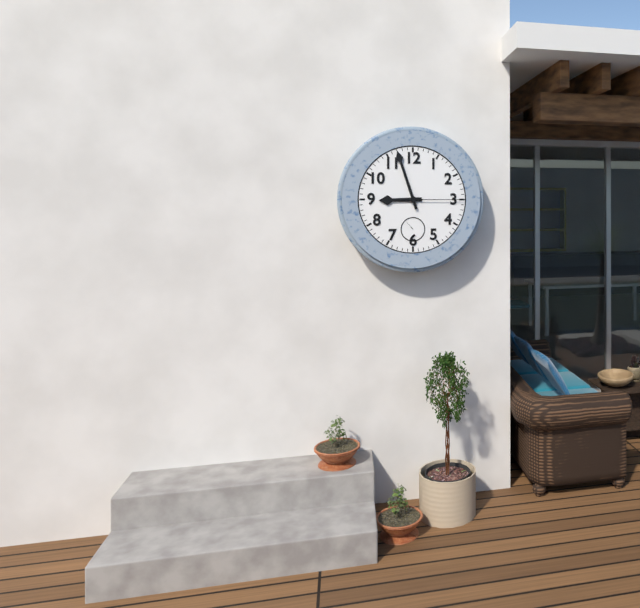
8:57:15
